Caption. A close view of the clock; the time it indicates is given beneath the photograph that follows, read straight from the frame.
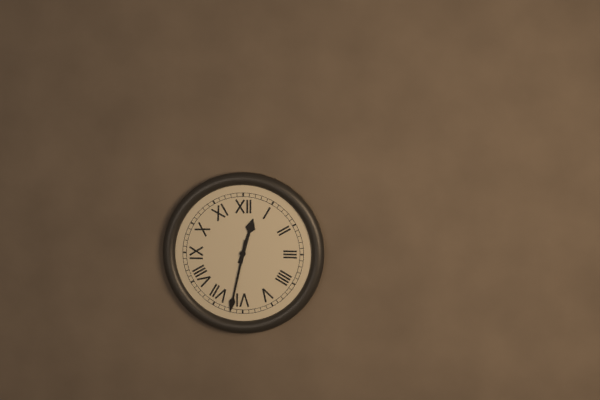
12:32
